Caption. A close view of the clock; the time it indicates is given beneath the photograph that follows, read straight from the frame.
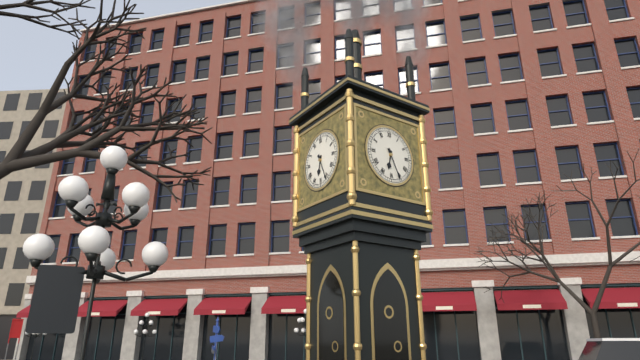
6:26
